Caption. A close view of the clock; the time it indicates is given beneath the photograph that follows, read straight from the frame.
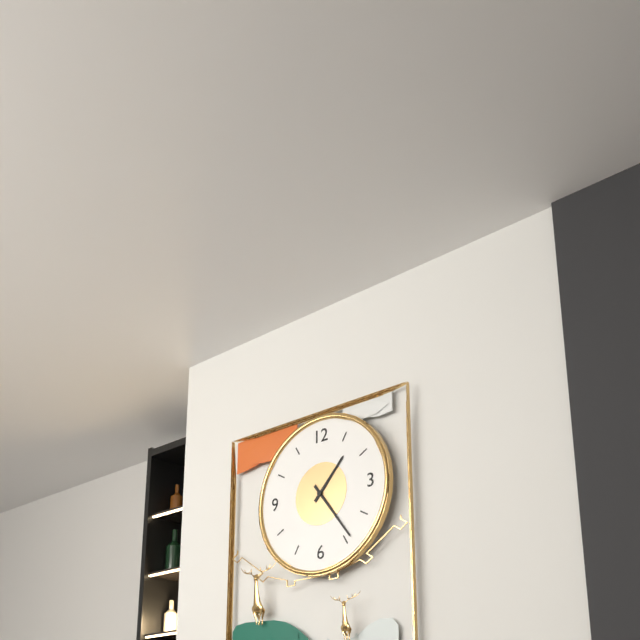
1:24
